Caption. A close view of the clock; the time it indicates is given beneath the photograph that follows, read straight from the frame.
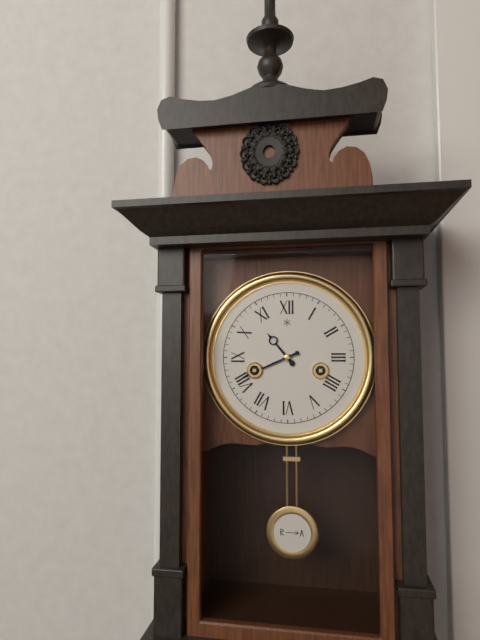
10:41
